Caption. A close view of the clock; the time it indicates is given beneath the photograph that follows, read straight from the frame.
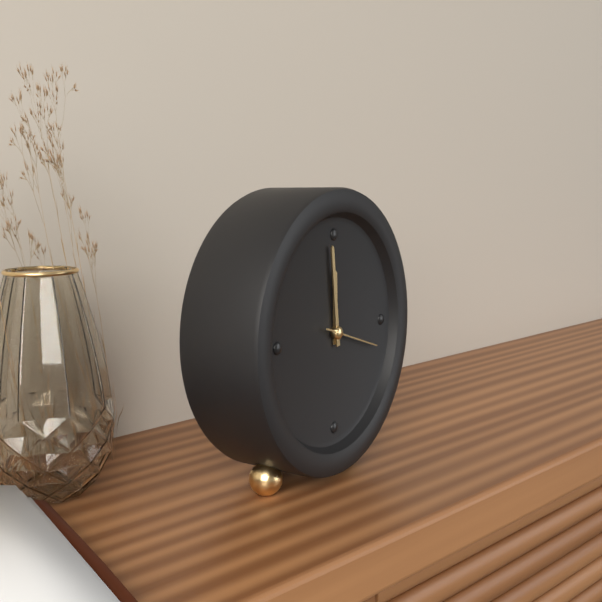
11:59
